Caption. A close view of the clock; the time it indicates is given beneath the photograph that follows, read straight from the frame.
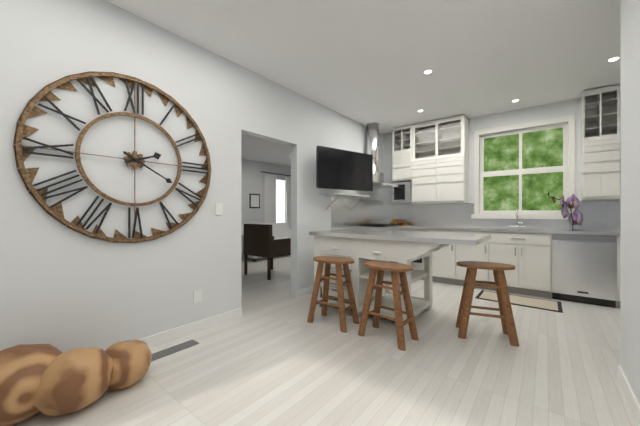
2:20
